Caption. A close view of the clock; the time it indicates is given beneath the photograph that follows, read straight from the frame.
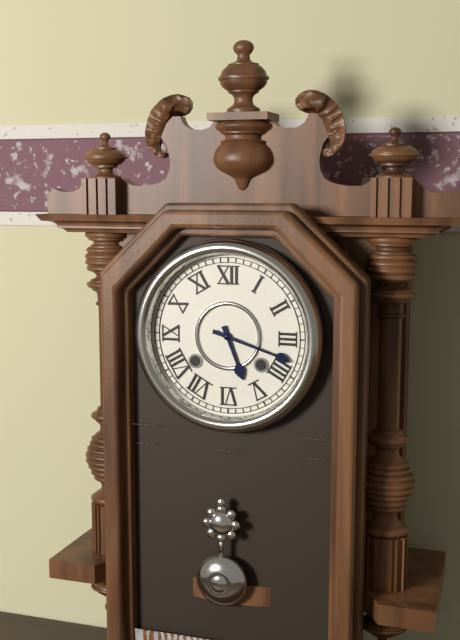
5:18
